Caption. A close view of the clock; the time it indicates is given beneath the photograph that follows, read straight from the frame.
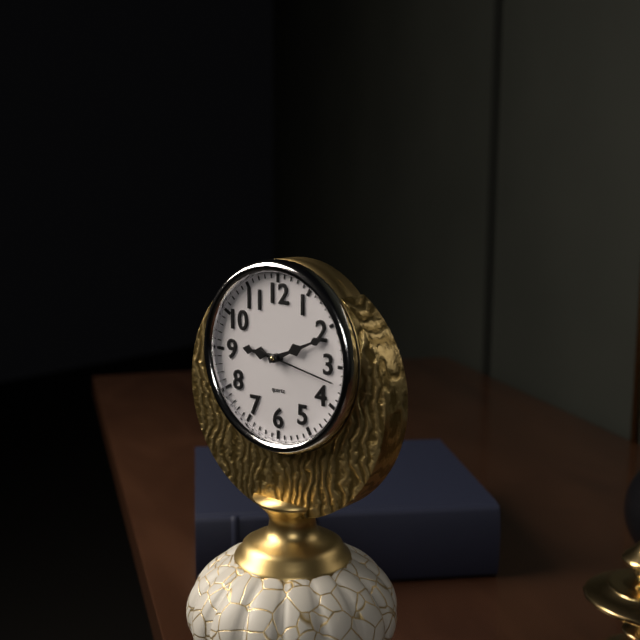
9:11:17
